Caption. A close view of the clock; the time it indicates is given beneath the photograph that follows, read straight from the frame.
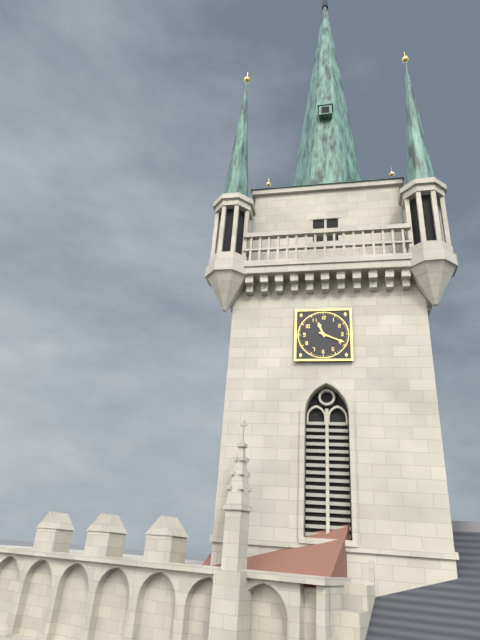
11:19
